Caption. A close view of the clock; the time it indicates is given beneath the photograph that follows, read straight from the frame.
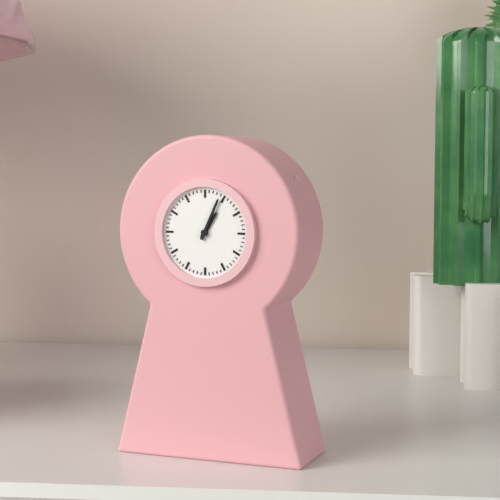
1:04
